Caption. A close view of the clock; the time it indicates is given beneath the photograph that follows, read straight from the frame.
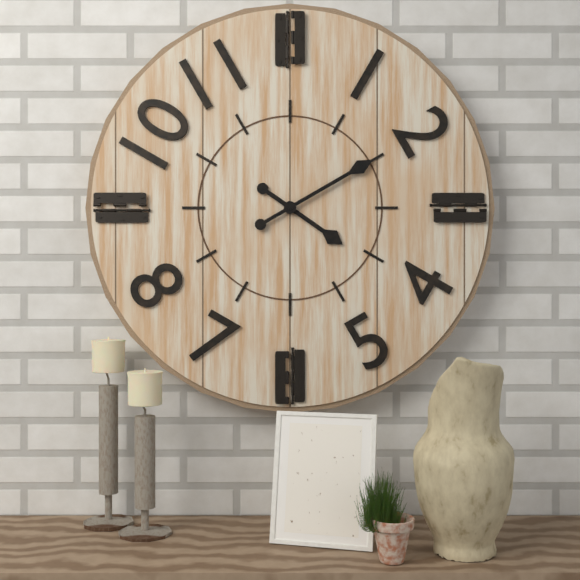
4:10
